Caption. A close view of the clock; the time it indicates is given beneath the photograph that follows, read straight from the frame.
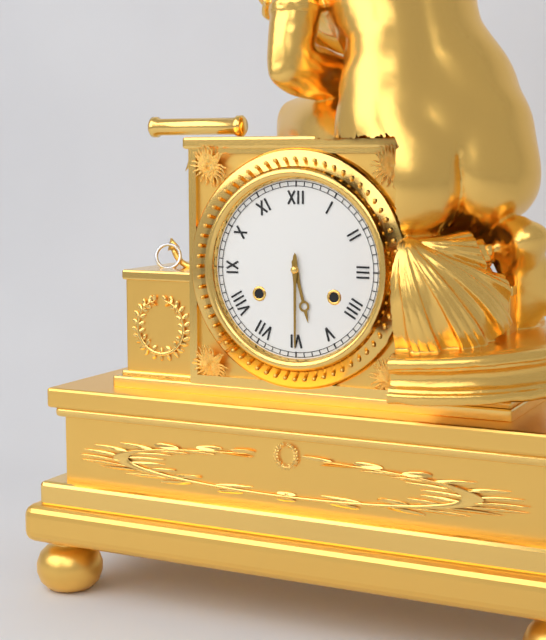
5:30
